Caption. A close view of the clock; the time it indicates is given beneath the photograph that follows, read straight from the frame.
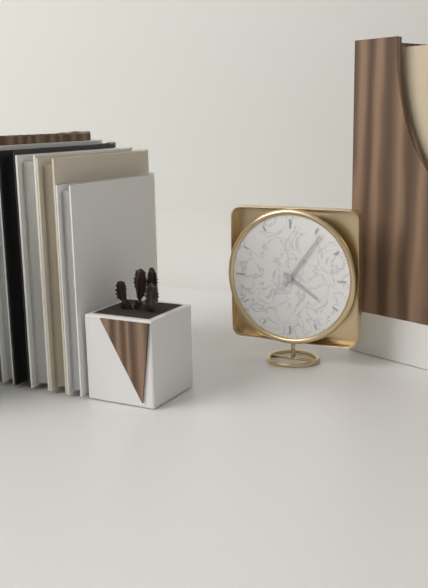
4:06
